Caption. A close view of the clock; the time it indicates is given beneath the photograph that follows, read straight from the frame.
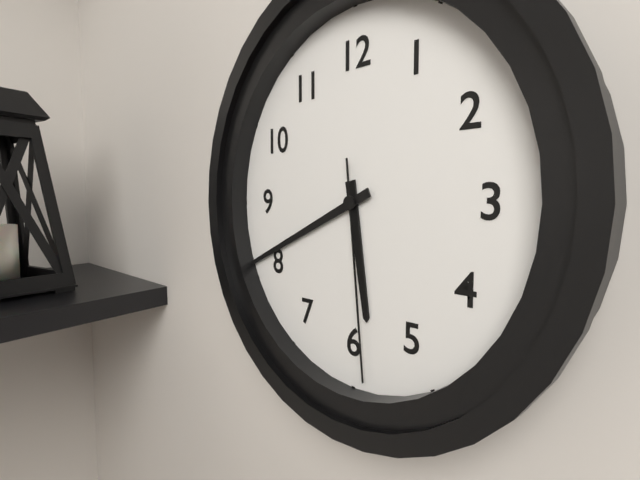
5:41:29
